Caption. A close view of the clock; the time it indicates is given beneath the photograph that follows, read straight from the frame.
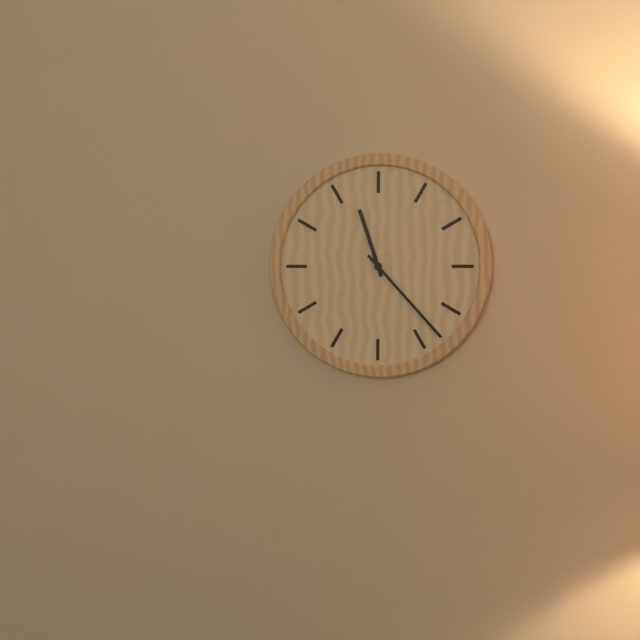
11:23
